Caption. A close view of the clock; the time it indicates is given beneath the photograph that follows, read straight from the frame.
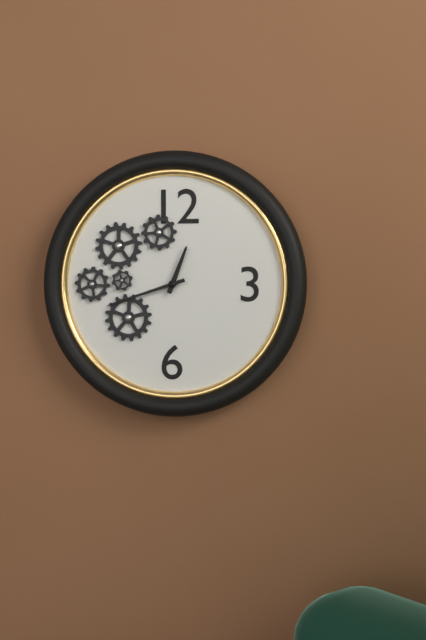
12:42
